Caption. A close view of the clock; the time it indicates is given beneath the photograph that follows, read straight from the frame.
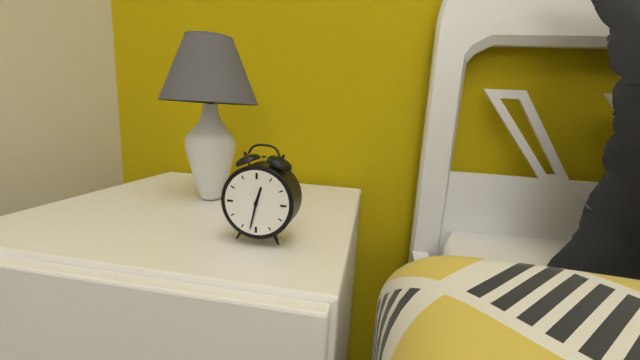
12:32
